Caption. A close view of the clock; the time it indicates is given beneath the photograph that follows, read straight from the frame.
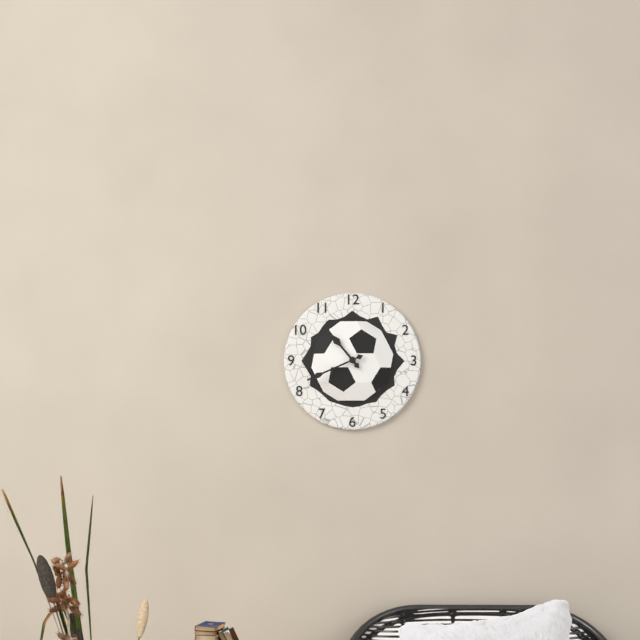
10:41
